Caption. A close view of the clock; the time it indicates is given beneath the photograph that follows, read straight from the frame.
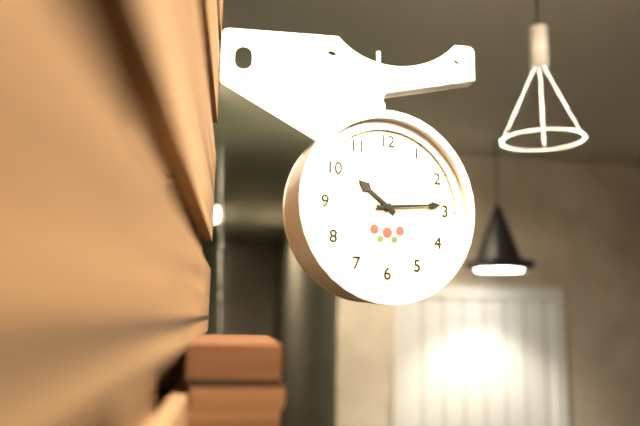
10:14
